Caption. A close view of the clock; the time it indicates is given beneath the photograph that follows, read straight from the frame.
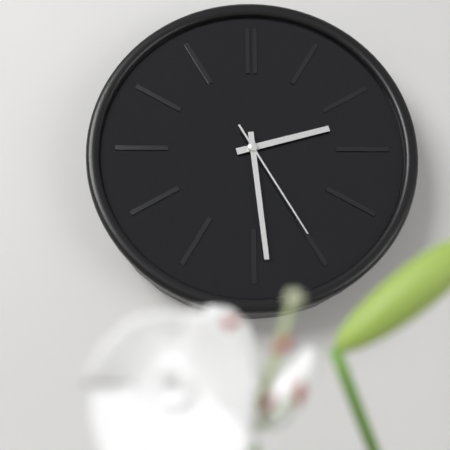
2:29:25
